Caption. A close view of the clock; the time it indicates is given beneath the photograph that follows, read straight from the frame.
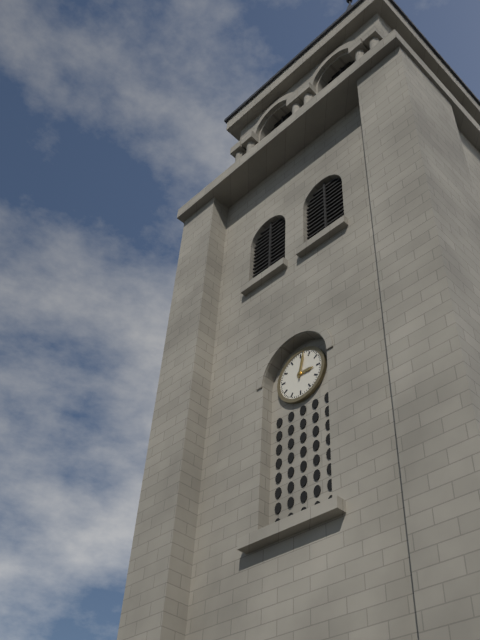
3:02
